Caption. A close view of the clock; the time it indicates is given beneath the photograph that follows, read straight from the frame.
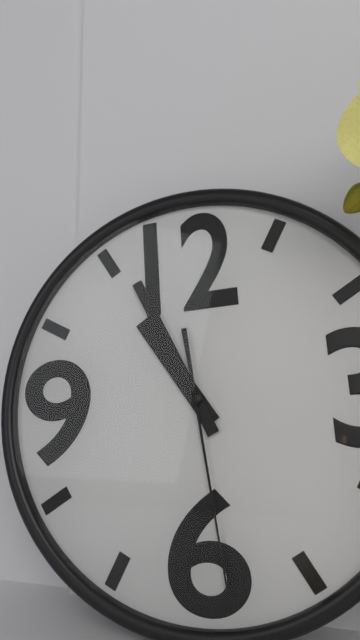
10:56:29
